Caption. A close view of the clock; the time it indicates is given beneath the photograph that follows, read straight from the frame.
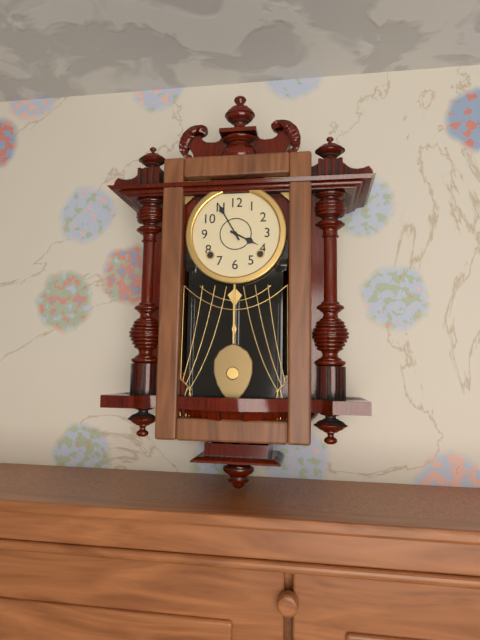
3:55
